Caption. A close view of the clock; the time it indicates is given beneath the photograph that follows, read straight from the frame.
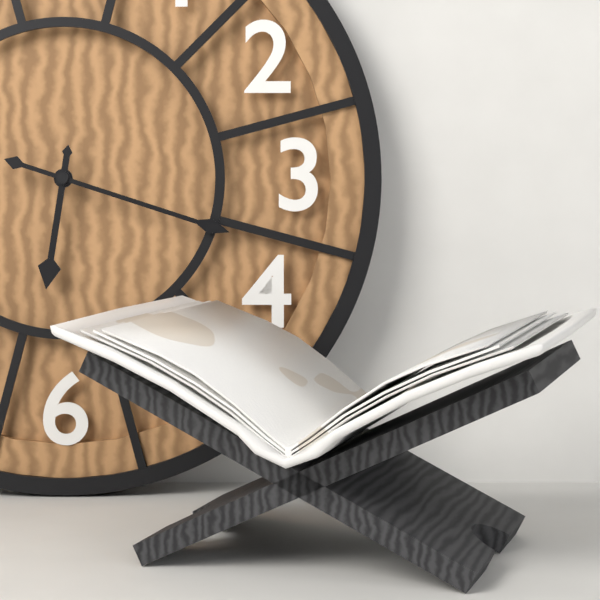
6:18
